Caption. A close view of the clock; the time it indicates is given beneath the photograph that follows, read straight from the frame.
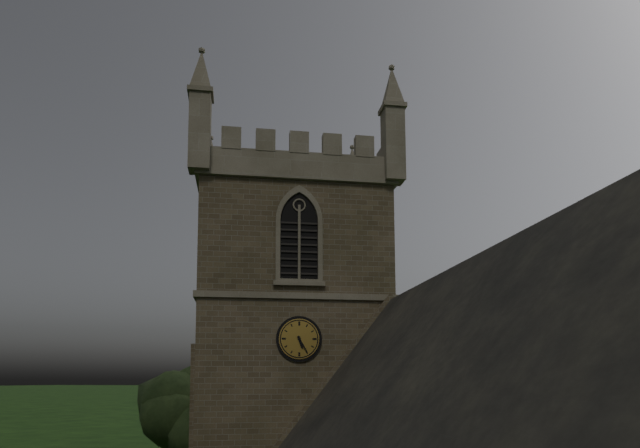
5:25
